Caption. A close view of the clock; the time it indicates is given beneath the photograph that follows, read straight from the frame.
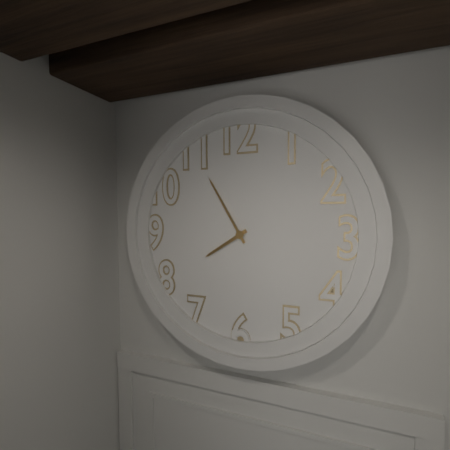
7:55
